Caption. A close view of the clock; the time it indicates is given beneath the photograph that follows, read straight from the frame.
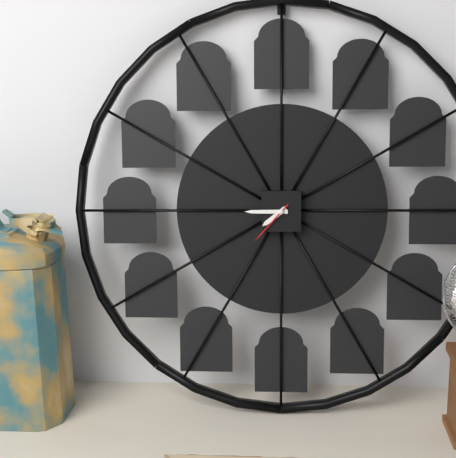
7:45:37
